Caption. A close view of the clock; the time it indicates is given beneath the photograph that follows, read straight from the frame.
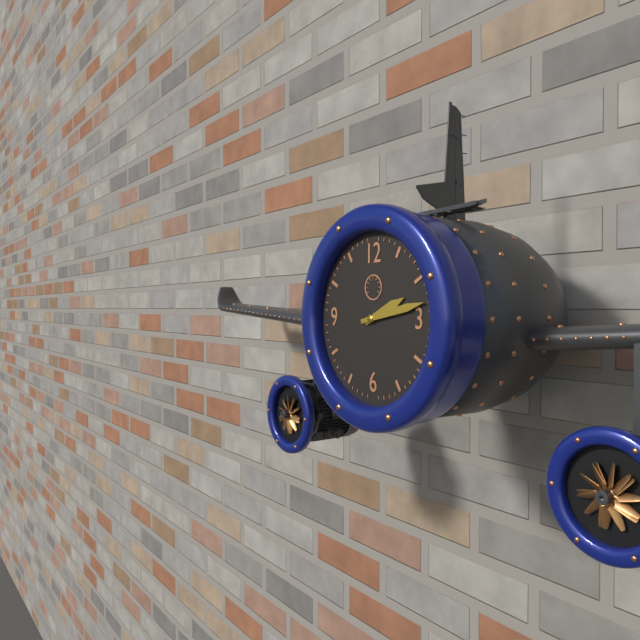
2:13
